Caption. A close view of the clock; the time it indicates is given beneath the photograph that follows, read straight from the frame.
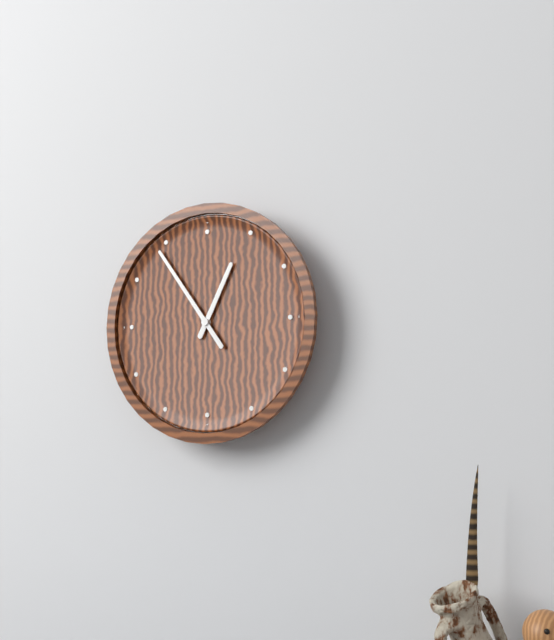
12:54
